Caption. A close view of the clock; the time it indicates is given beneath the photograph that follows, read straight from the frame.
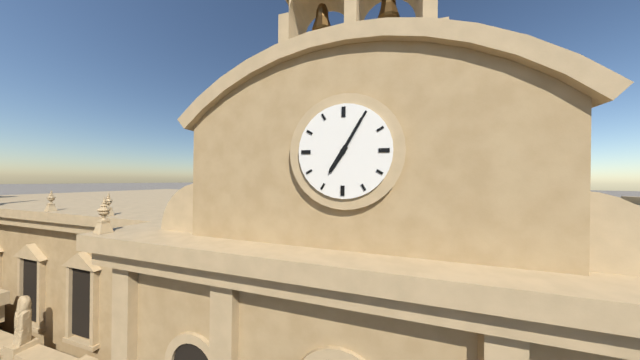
7:05
